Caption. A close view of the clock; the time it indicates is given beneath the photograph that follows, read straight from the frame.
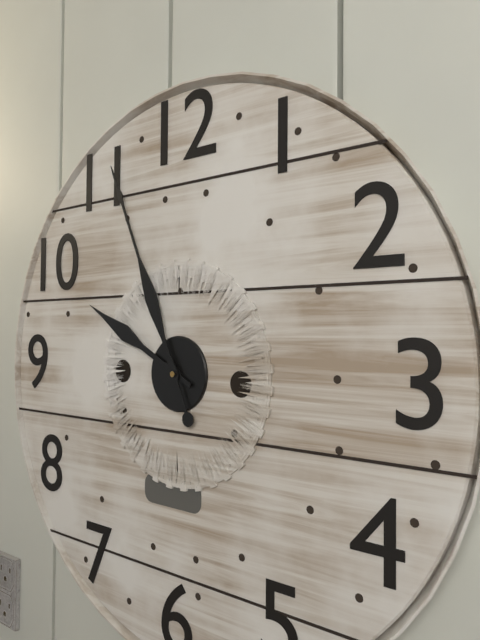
9:56
